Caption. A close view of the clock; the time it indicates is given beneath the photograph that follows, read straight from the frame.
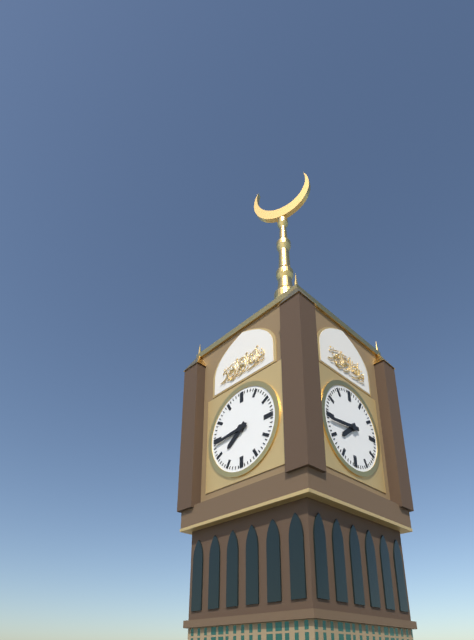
7:44
